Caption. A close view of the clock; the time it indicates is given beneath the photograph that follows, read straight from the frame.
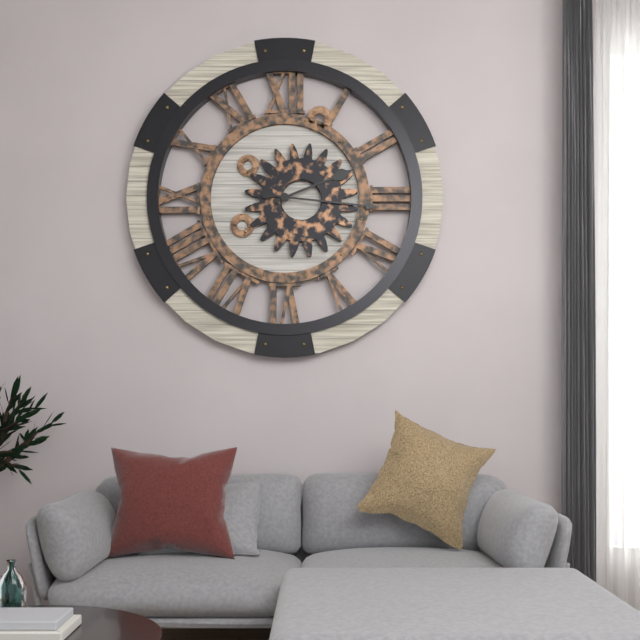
2:16
